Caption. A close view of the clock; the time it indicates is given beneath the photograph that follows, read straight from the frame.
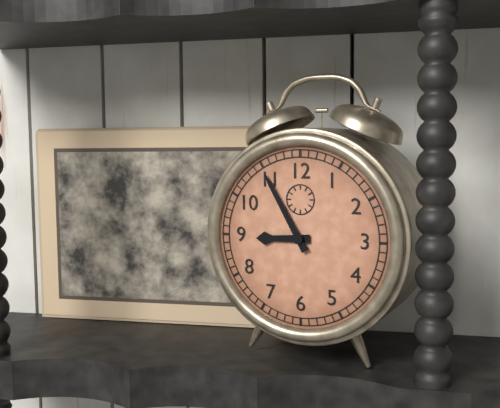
8:55
